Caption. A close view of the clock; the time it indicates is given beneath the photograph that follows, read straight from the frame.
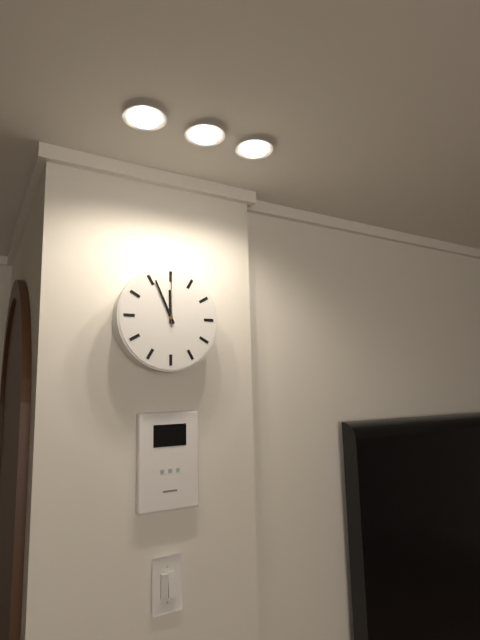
11:56:00
